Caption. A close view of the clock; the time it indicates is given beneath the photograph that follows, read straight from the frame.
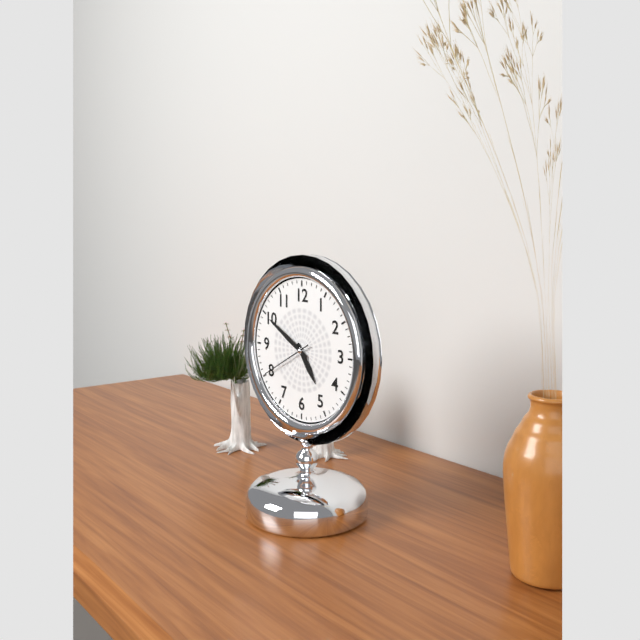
4:50:40
